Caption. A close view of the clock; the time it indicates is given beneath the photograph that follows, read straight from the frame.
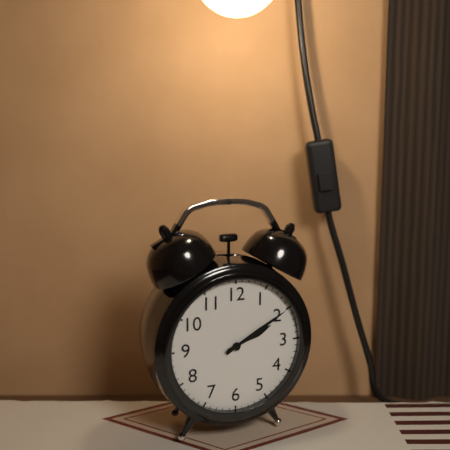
2:10
